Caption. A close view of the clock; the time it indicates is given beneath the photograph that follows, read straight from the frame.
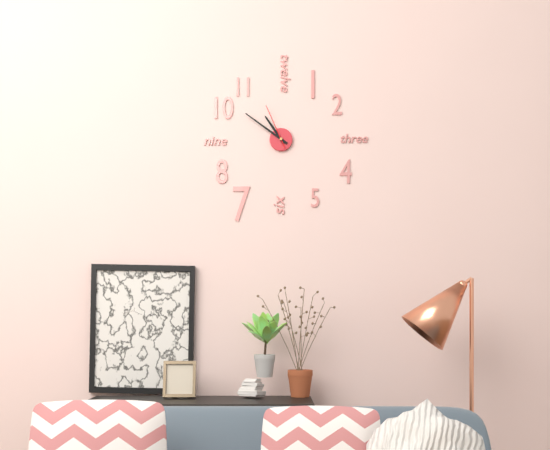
10:51
